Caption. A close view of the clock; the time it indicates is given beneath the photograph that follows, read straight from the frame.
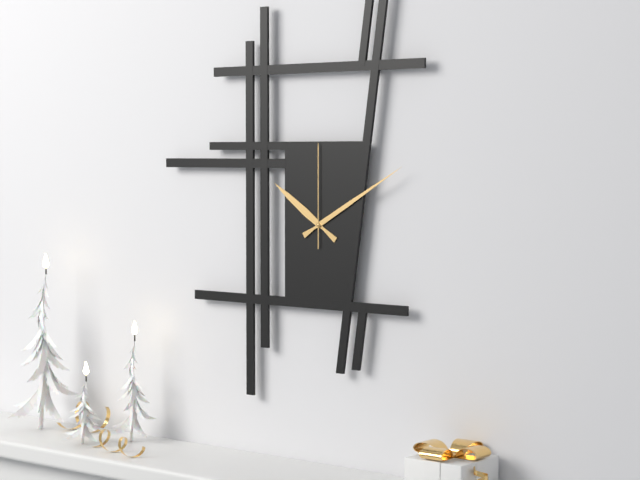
10:10:00
